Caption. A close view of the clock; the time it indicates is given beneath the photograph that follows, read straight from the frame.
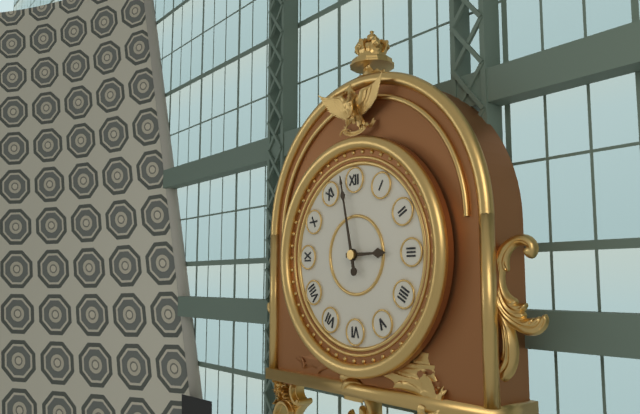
2:58
